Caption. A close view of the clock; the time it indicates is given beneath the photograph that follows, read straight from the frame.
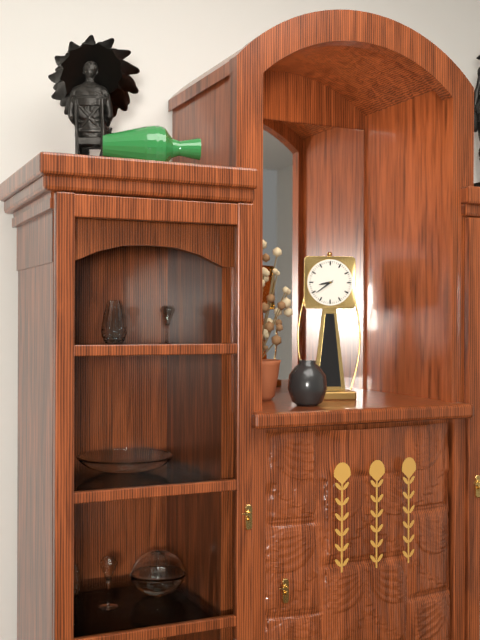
8:39
